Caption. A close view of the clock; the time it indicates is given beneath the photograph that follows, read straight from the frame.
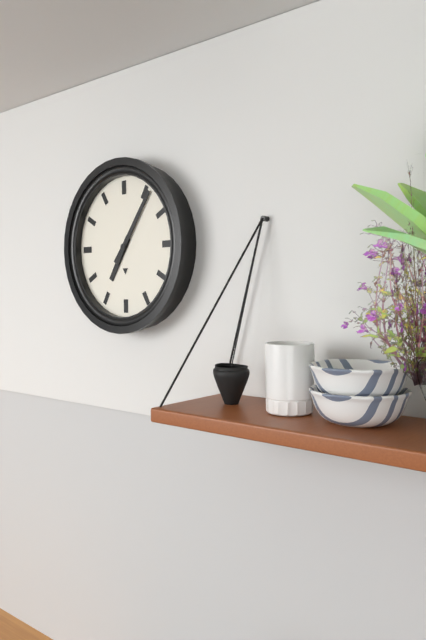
7:06
